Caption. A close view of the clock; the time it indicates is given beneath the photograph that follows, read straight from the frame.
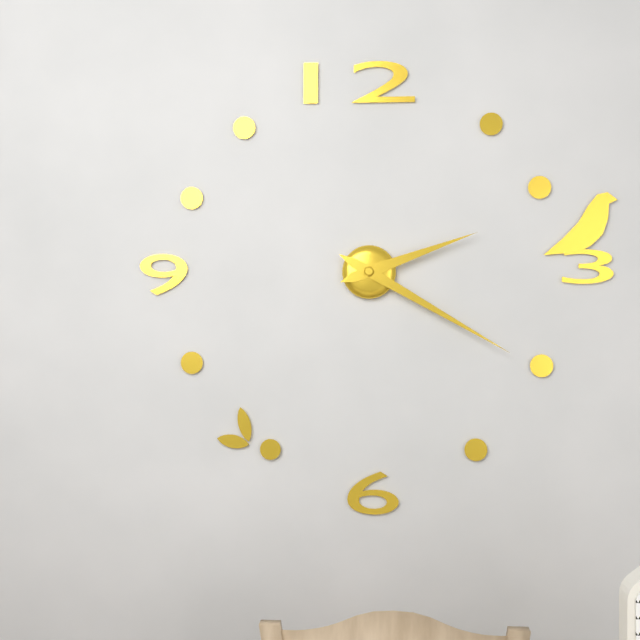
2:20
